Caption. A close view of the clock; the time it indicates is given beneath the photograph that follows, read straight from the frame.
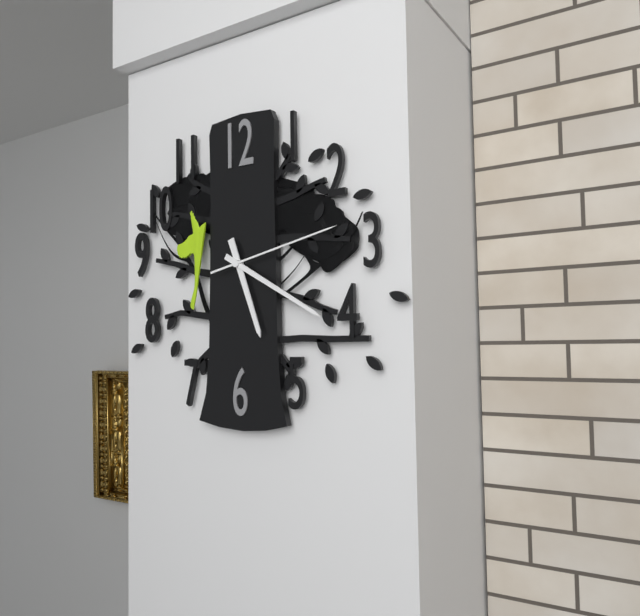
5:20:13
